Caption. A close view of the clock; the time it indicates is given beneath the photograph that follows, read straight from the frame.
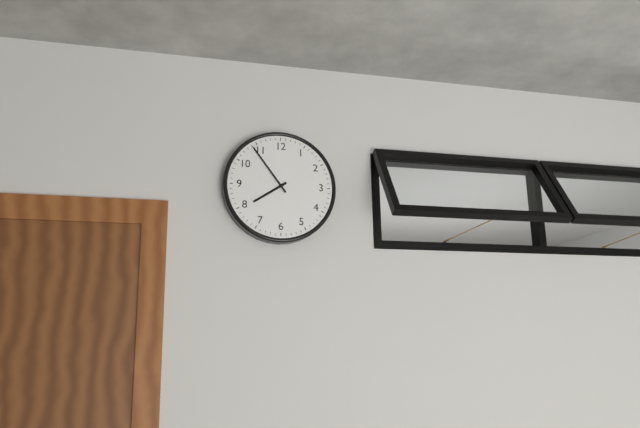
7:54
